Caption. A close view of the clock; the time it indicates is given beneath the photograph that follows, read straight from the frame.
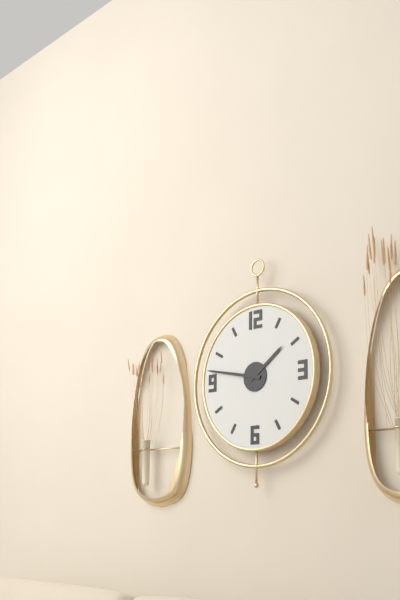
1:47
